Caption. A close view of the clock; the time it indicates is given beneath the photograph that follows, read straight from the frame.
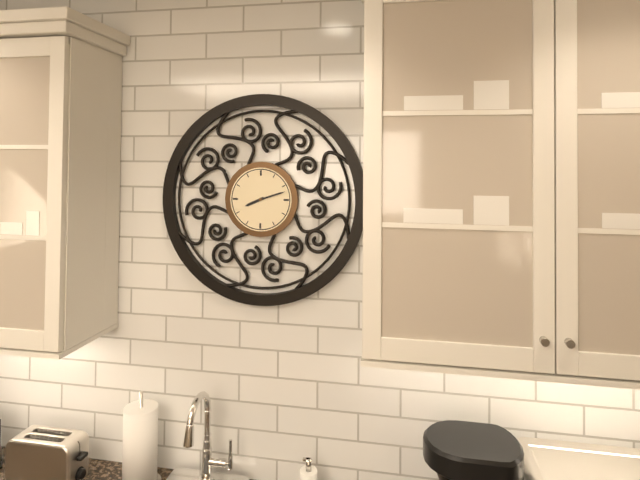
8:12
